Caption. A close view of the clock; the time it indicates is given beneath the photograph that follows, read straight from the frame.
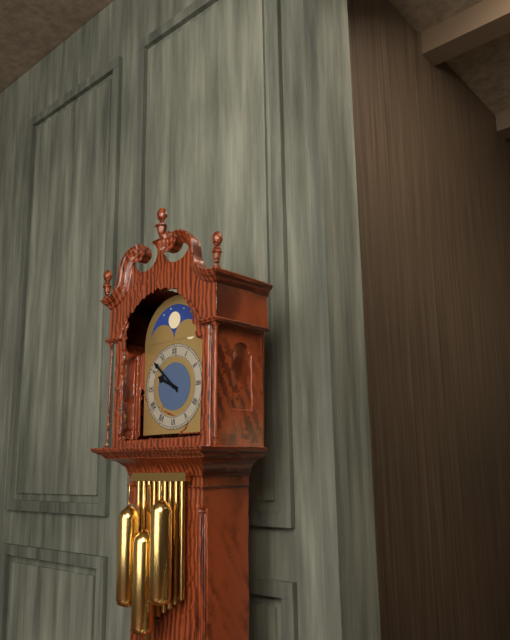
9:52
